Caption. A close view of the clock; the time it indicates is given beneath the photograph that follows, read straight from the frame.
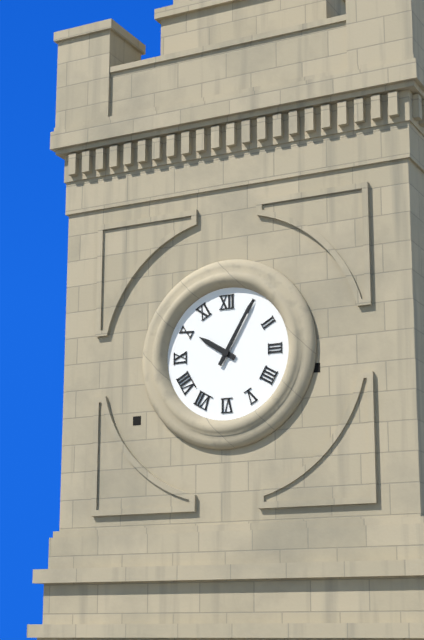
10:05
